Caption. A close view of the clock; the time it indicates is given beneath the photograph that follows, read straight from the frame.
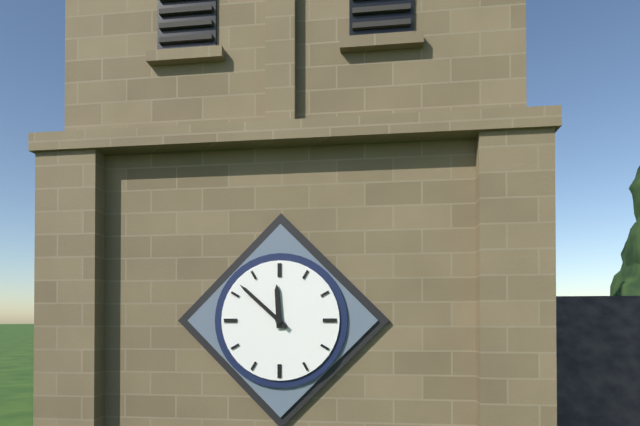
11:52
